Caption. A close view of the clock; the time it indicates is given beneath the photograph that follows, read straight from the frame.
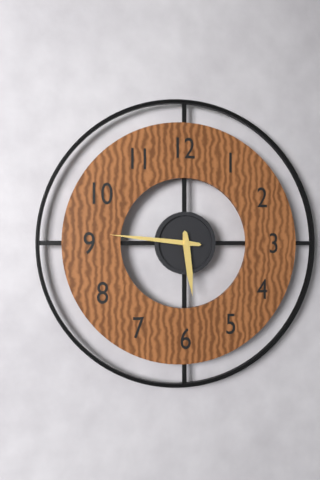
5:46
